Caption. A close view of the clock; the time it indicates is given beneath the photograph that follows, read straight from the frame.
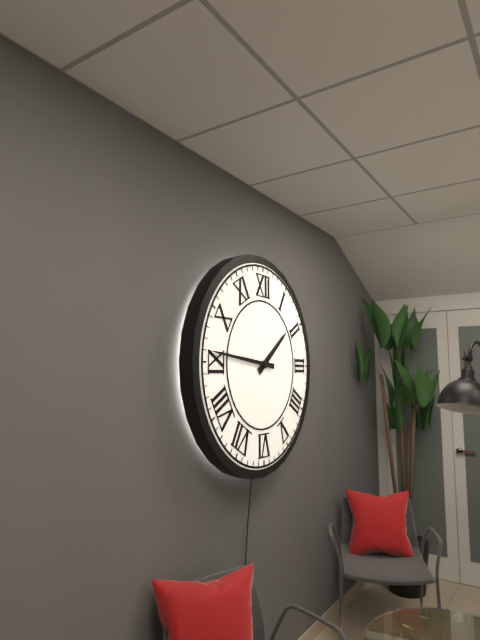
1:46
